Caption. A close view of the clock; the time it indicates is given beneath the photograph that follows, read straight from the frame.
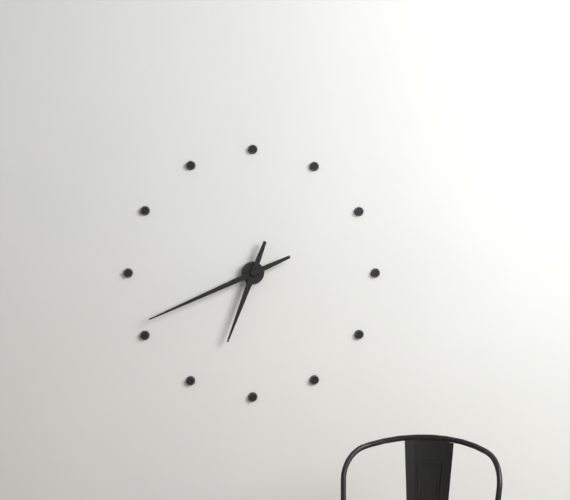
6:41
